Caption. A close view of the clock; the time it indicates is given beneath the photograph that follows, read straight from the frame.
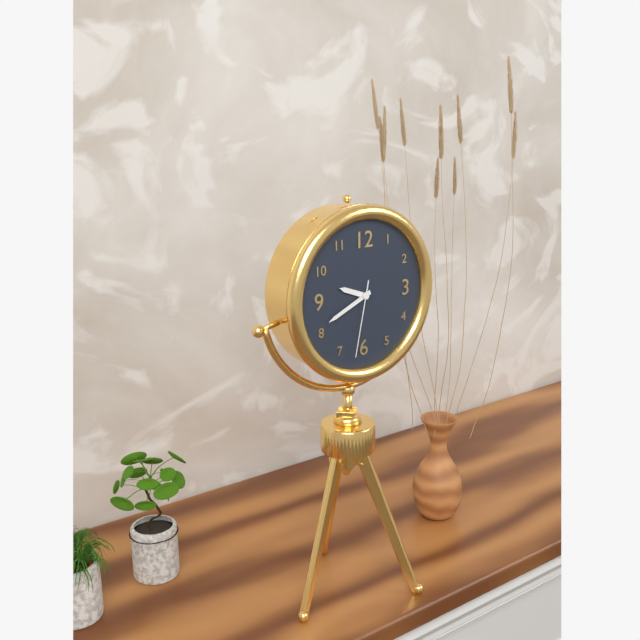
9:41:32
